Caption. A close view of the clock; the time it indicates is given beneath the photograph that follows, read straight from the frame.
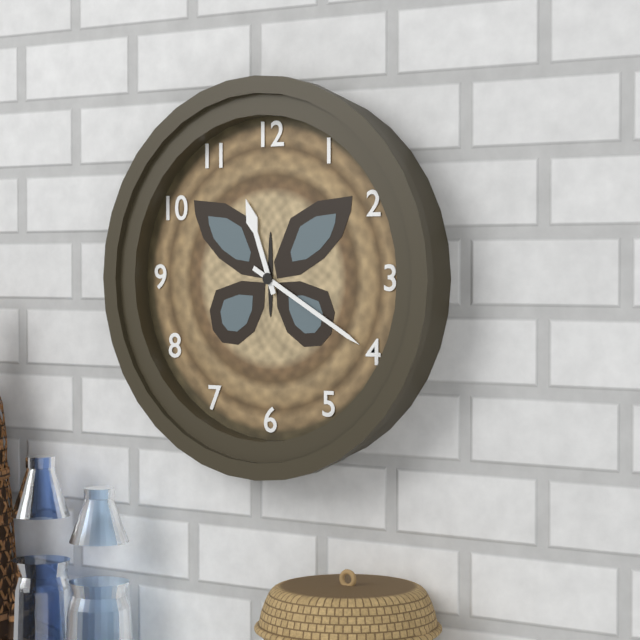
11:20
